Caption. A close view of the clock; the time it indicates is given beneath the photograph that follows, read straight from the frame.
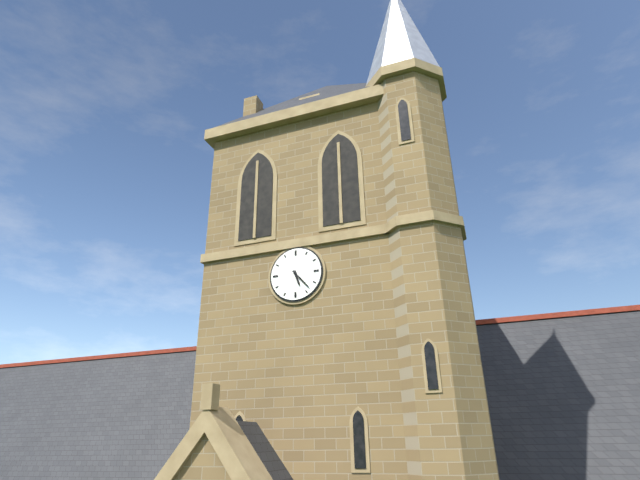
5:23
